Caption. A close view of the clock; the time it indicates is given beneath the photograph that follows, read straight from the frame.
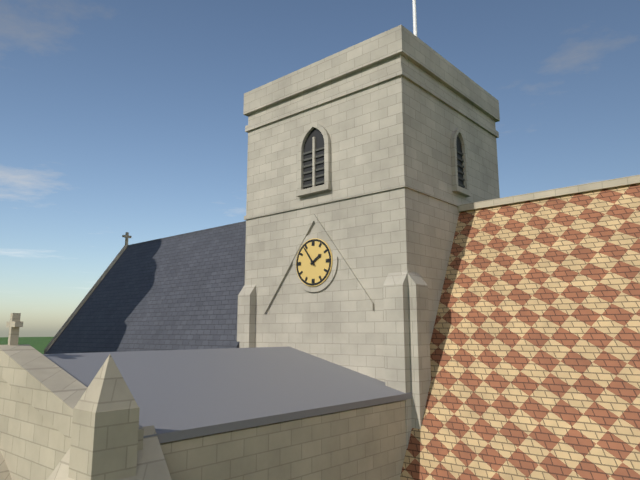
1:54
